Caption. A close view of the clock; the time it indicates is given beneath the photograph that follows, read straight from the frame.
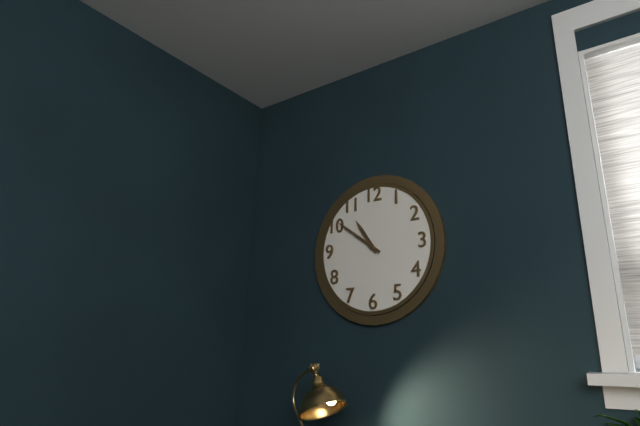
10:51
